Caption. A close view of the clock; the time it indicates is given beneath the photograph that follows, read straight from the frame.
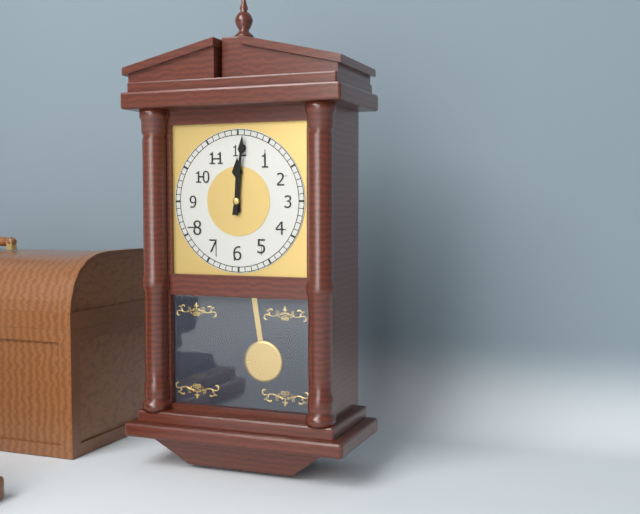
12:01
